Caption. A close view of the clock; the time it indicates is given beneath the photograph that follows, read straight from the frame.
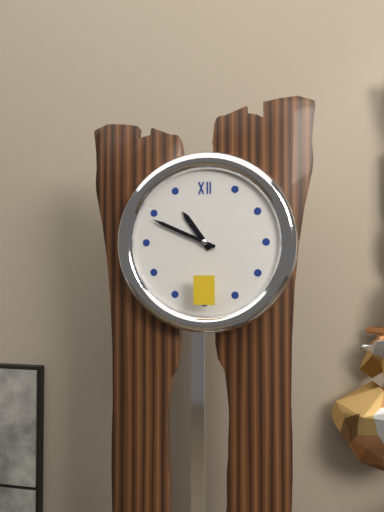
10:49
